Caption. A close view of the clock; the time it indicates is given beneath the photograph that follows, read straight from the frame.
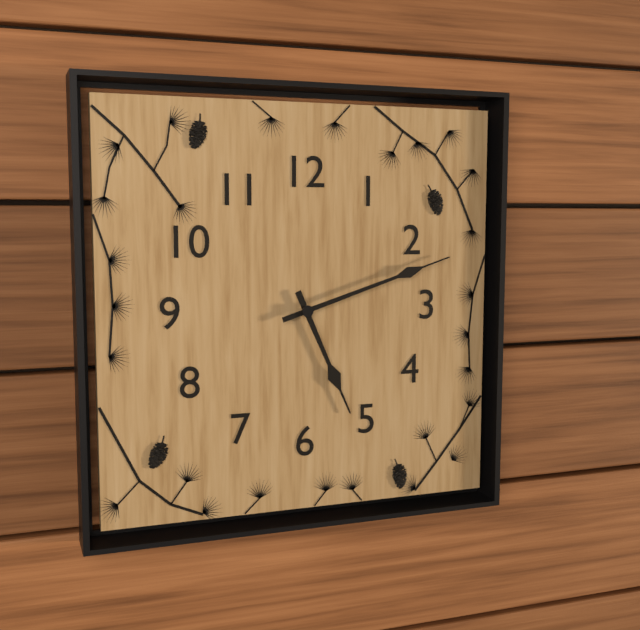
5:12
